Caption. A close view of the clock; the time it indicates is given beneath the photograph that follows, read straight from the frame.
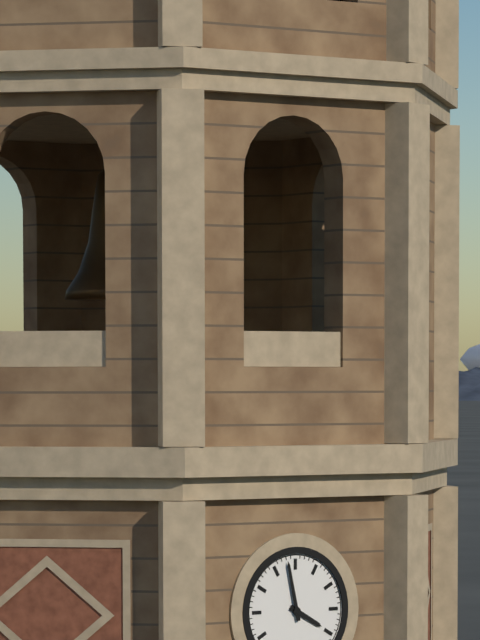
3:58
